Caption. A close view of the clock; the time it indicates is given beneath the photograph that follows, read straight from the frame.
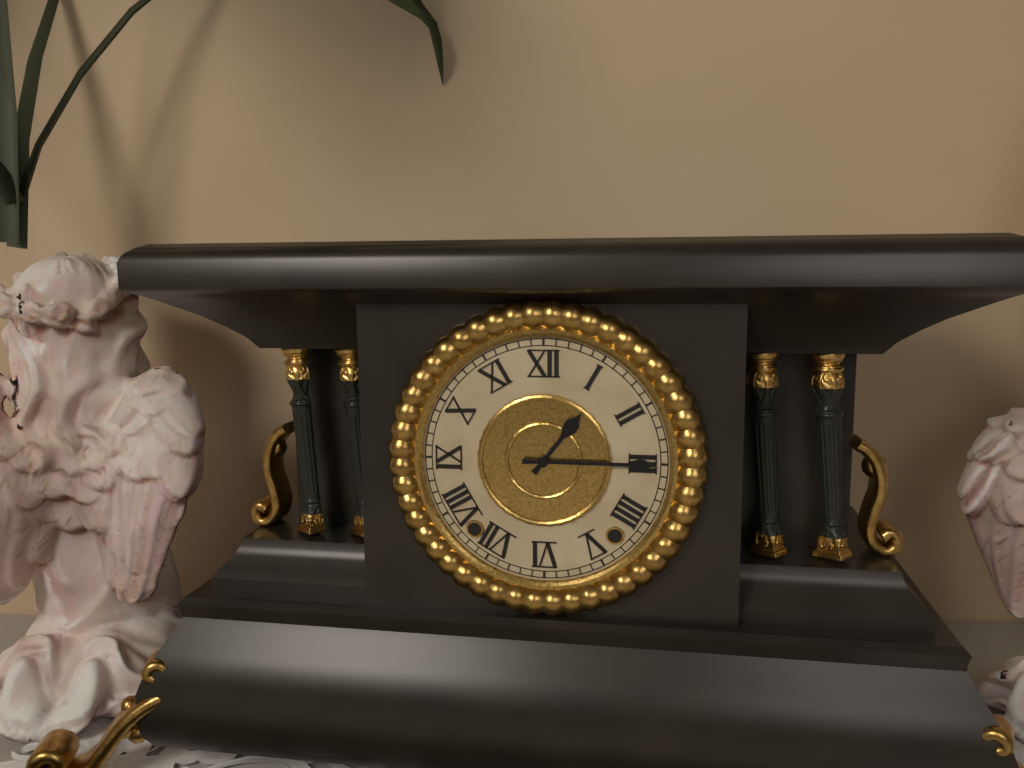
1:15
